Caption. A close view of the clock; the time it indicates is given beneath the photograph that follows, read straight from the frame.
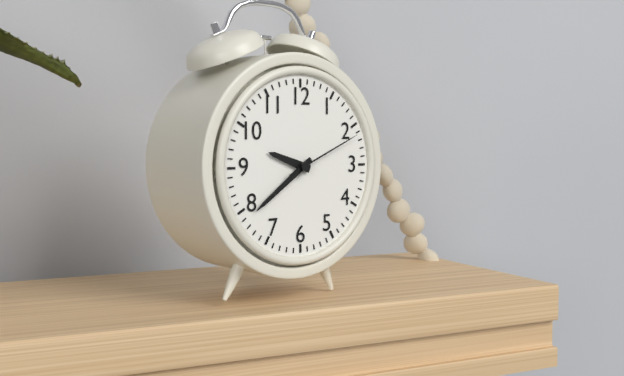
9:39:11
